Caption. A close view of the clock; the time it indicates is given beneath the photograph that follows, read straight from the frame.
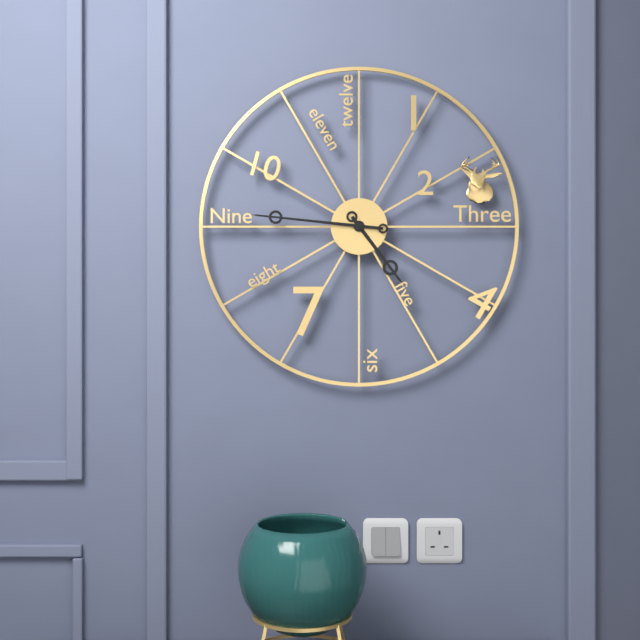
4:46
